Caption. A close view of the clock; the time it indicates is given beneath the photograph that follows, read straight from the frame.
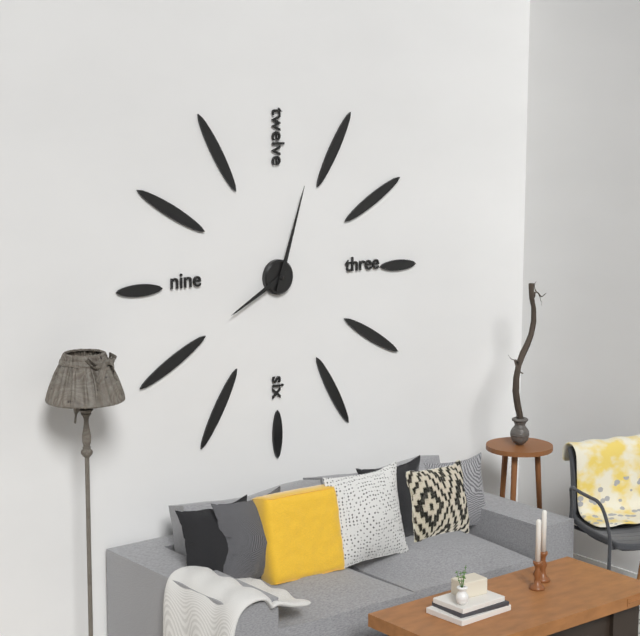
8:03
